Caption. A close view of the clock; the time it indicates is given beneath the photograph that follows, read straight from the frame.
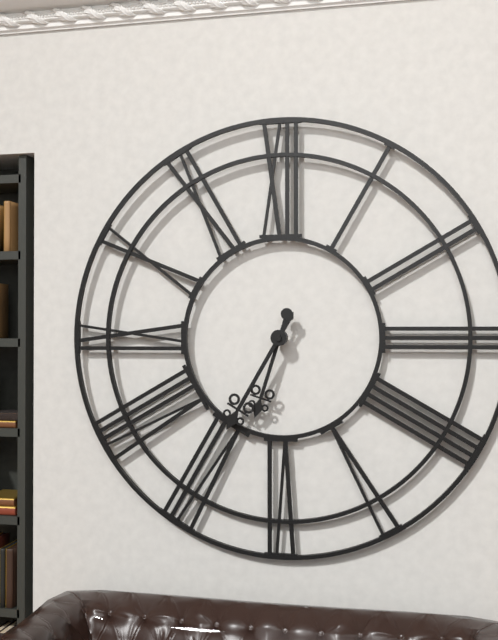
6:35
